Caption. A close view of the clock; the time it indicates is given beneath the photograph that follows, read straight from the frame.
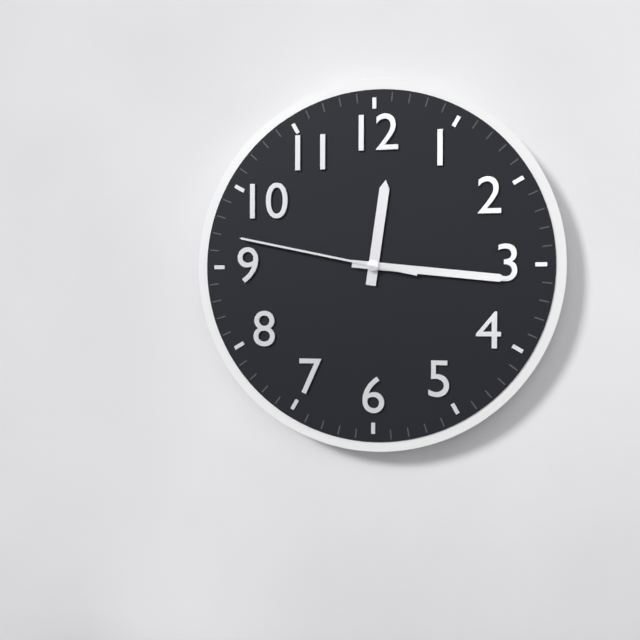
12:16:47
